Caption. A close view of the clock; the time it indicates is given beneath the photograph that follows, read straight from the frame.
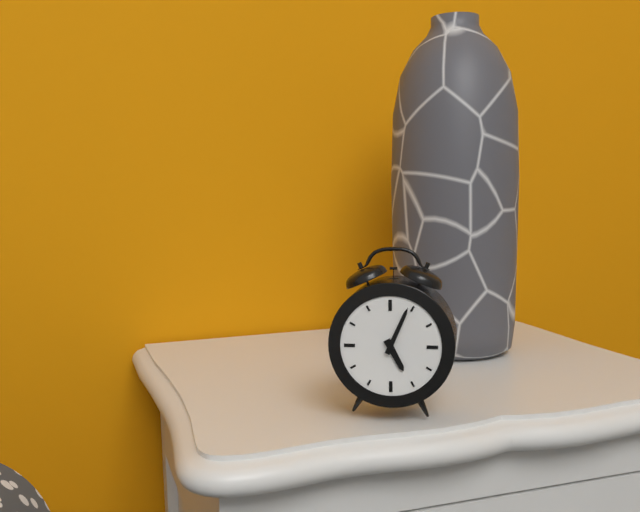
5:04
